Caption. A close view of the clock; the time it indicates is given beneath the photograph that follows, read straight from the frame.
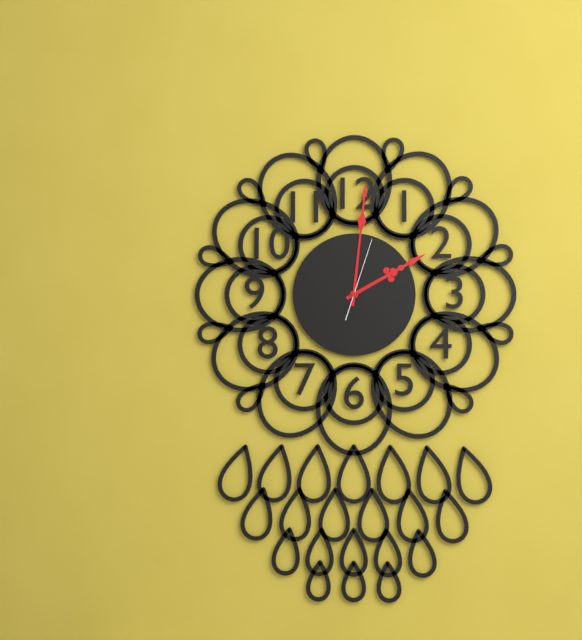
2:01:03
